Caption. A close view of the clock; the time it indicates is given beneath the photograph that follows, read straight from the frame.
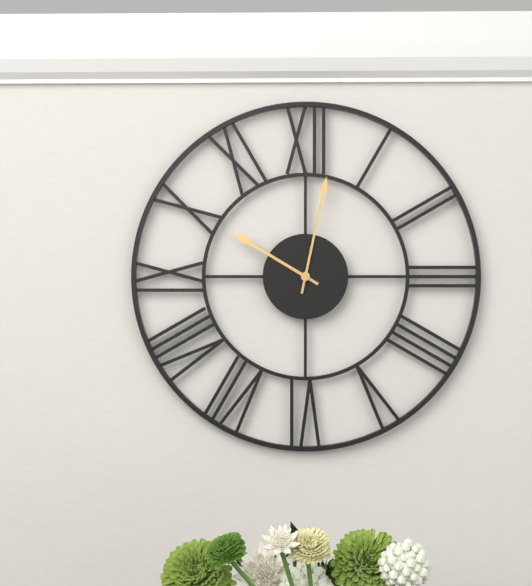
10:02
